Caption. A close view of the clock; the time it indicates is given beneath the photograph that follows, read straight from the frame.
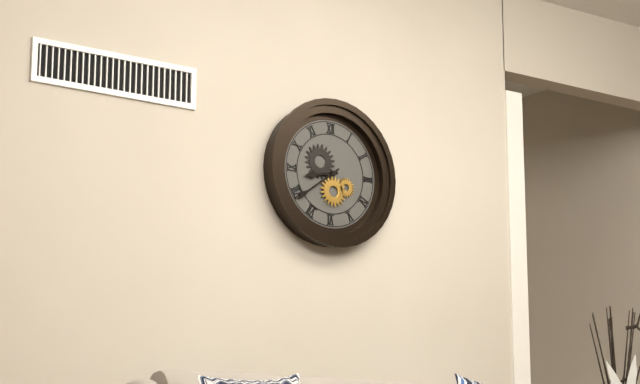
8:39
